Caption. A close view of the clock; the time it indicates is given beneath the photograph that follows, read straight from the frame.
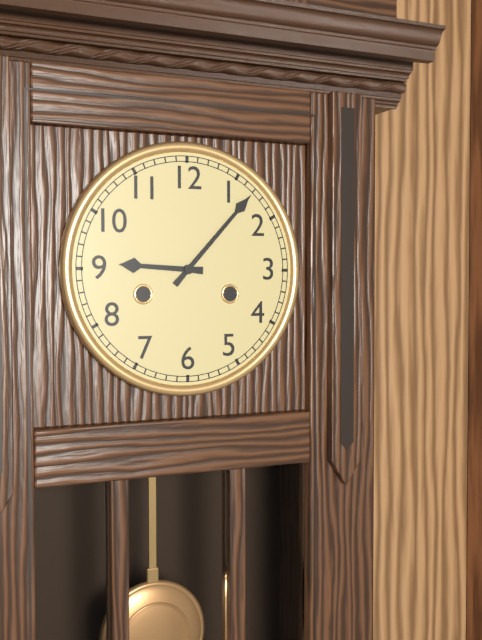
9:07
